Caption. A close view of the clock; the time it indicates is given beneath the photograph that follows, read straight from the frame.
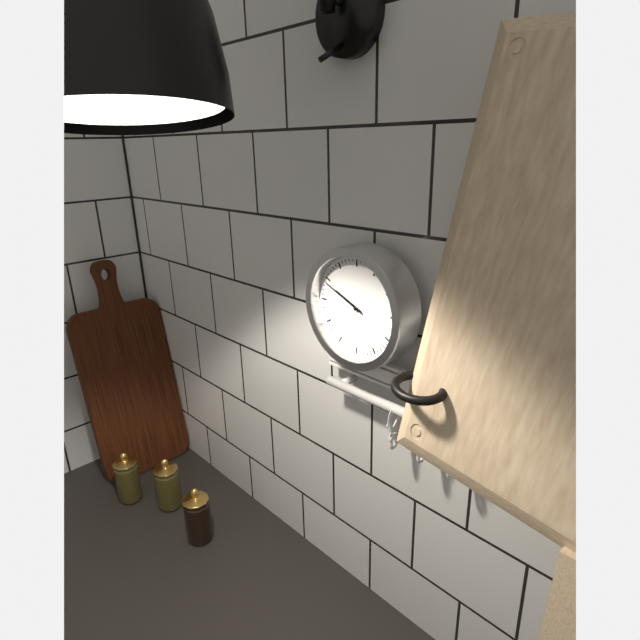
9:49
